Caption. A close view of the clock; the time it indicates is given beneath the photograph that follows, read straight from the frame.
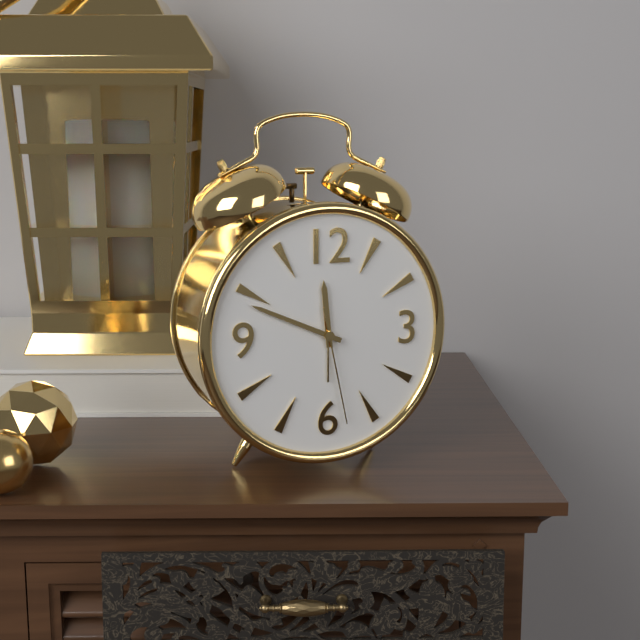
11:49:28
